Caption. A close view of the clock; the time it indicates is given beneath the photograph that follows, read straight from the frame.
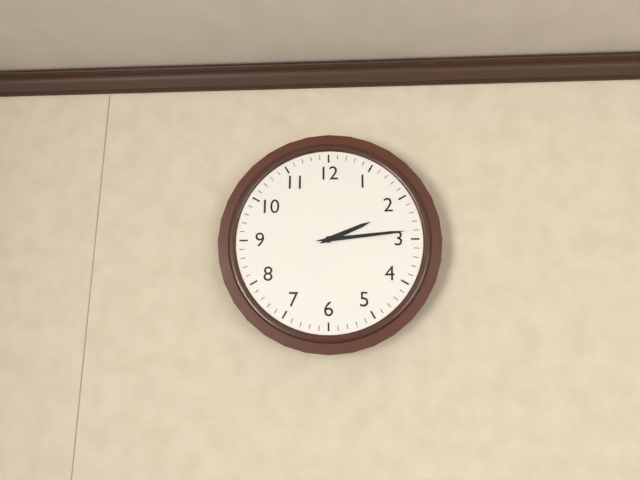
2:14
